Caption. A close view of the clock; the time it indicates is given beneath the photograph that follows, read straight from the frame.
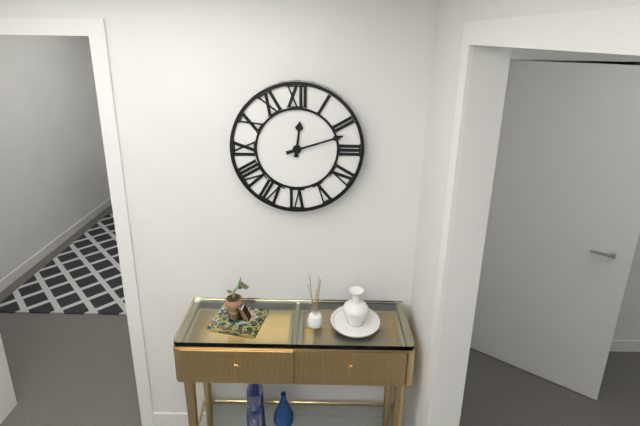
12:12
